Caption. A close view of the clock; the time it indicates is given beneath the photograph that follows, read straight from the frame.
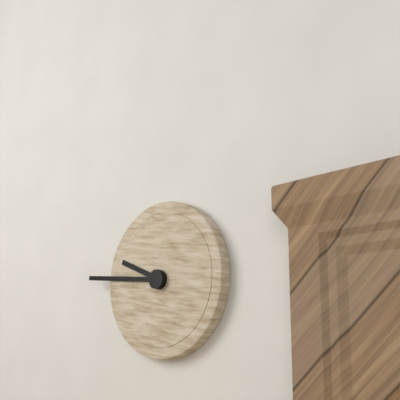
9:46
